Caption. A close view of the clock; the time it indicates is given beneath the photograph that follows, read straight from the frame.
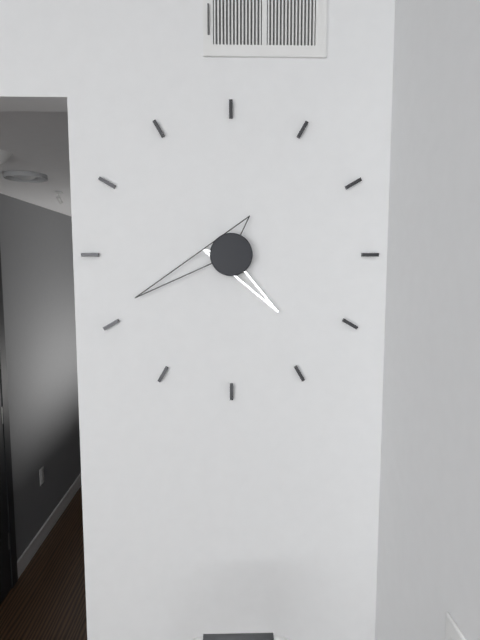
4:41
